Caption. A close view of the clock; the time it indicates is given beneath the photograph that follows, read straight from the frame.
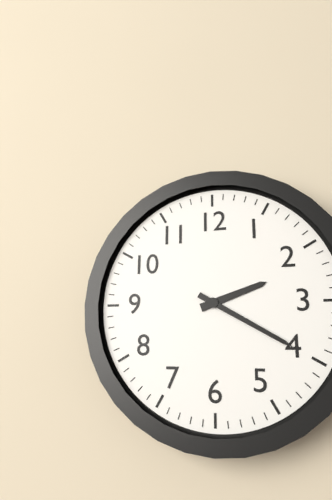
2:20
